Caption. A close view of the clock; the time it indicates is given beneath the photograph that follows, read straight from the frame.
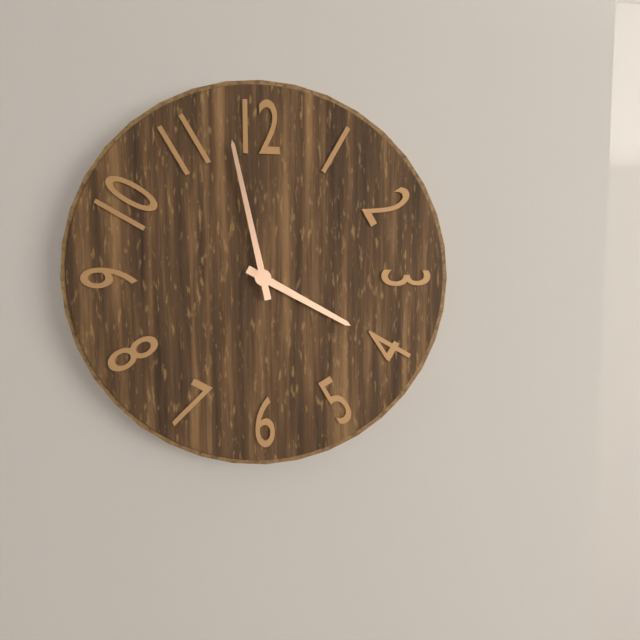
3:58
